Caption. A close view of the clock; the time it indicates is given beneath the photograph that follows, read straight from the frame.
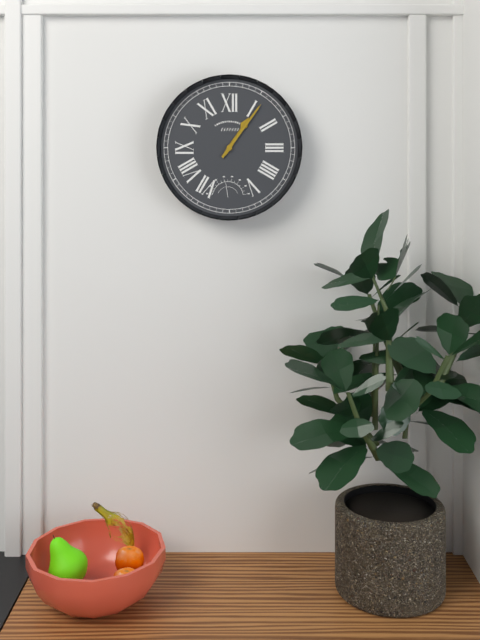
1:06
